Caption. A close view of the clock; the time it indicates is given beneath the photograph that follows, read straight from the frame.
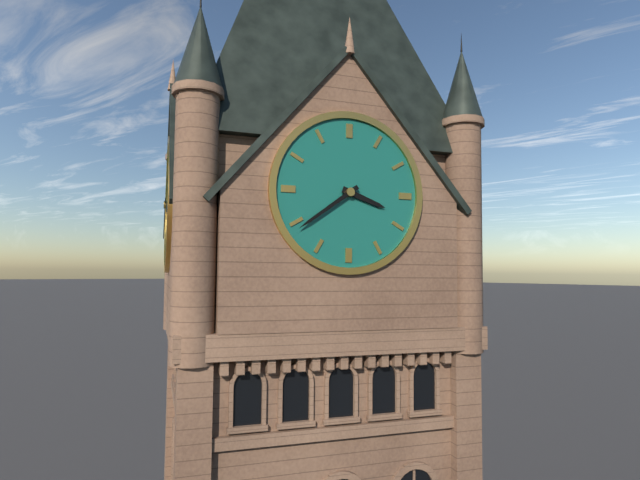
3:39
